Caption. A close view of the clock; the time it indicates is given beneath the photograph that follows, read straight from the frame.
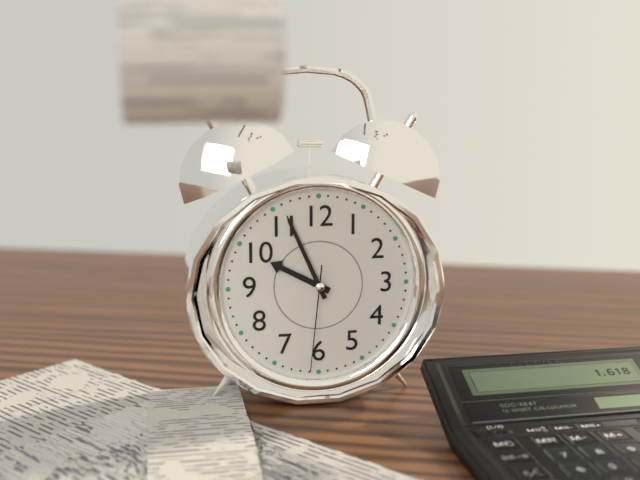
9:56:31
